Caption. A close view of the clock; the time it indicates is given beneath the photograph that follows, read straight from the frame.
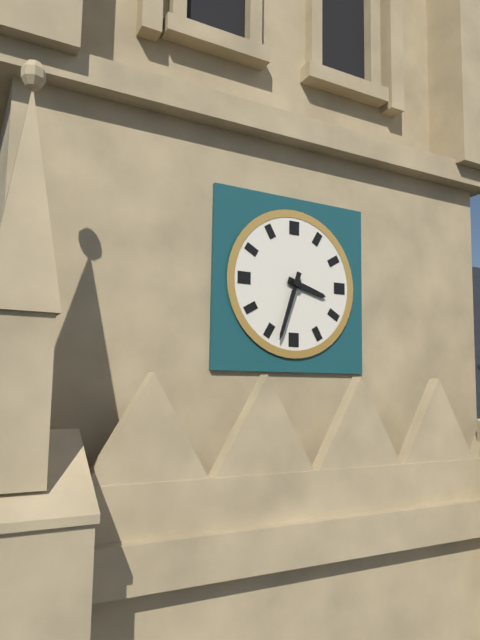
3:33
